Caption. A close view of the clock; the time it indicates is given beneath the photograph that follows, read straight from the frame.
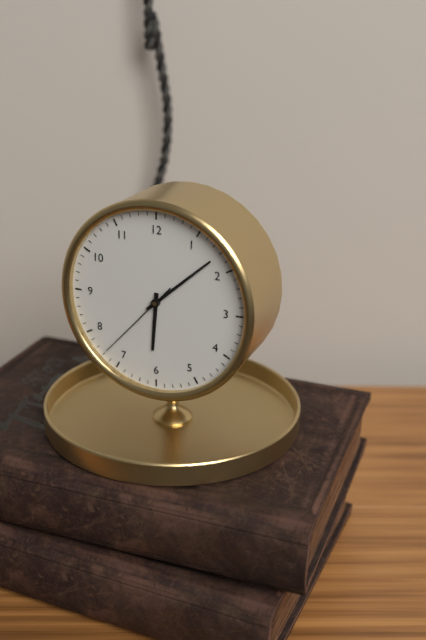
6:08:37
